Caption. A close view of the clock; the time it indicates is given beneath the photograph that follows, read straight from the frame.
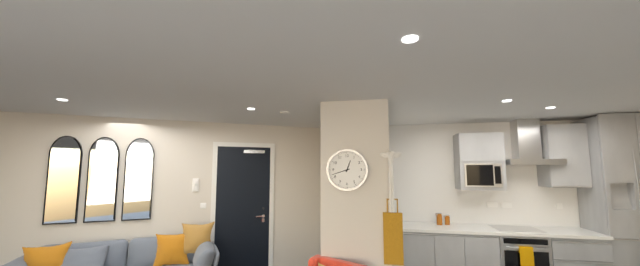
12:42
